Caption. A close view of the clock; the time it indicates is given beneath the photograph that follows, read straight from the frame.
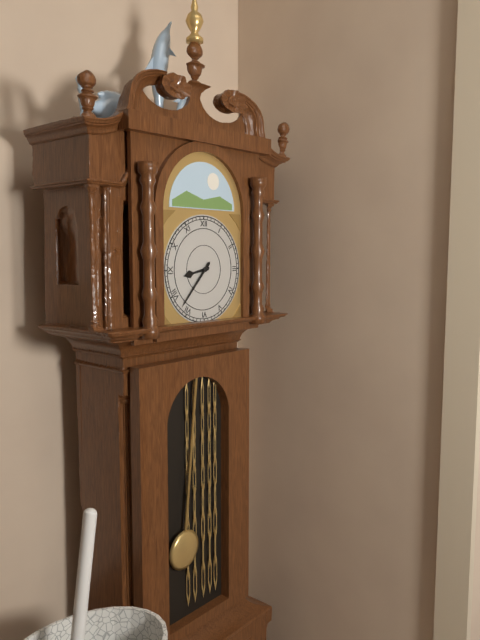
8:37
